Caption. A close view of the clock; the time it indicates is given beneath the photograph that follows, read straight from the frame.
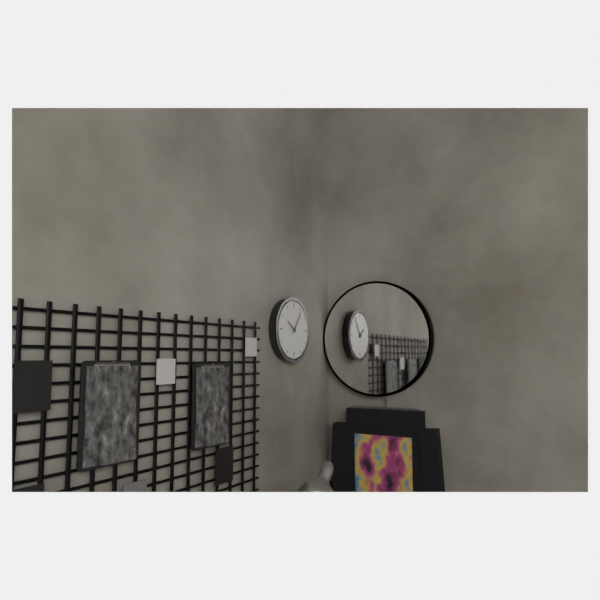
10:06
